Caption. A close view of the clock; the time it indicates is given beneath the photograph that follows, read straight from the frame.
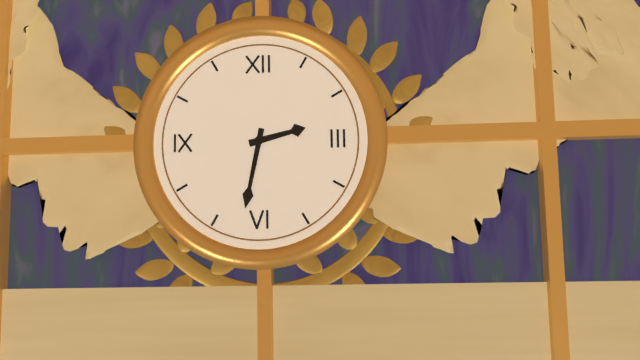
2:32
